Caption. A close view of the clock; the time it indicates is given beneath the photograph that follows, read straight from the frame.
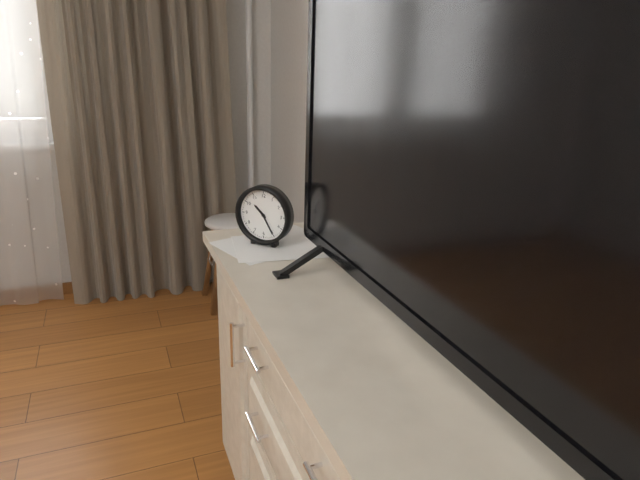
10:25
